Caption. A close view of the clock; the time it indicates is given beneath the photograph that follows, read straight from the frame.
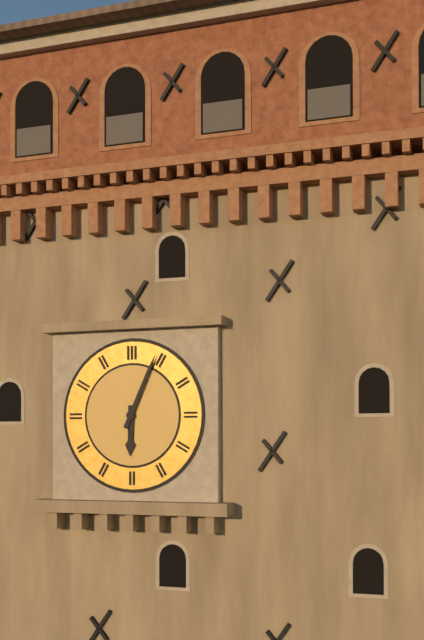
6:04
